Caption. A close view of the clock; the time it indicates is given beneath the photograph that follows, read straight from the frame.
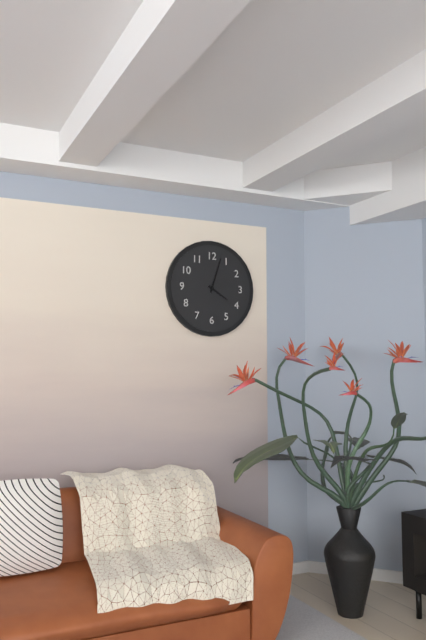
4:03
